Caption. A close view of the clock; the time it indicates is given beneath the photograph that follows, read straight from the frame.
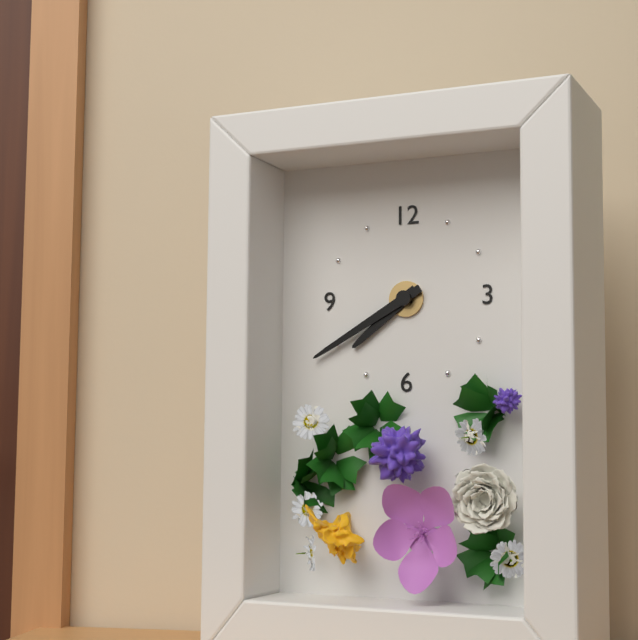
7:40
